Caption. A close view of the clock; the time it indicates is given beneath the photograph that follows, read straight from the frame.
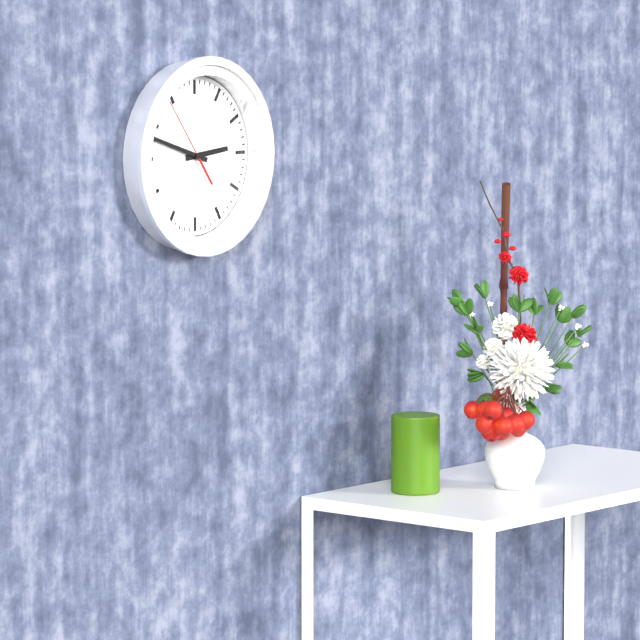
2:48:54
